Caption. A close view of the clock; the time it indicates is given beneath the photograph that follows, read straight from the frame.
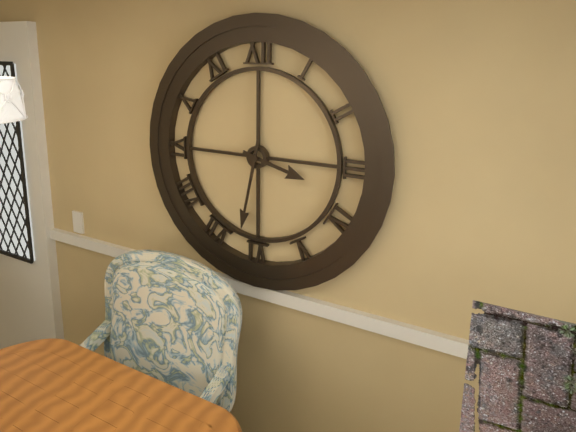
3:32
